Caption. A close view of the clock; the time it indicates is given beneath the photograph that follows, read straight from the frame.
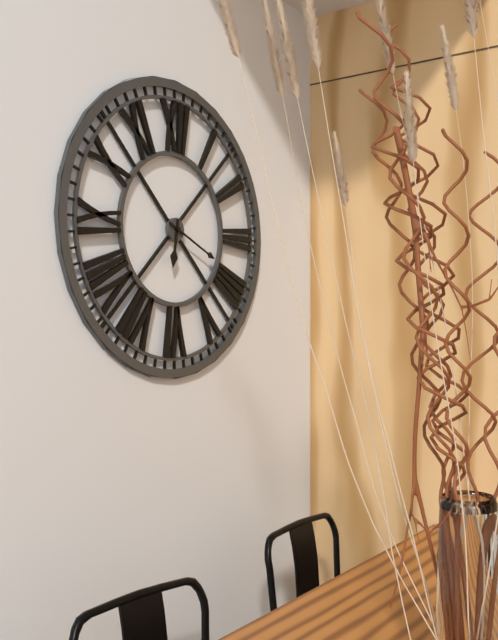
6:19
